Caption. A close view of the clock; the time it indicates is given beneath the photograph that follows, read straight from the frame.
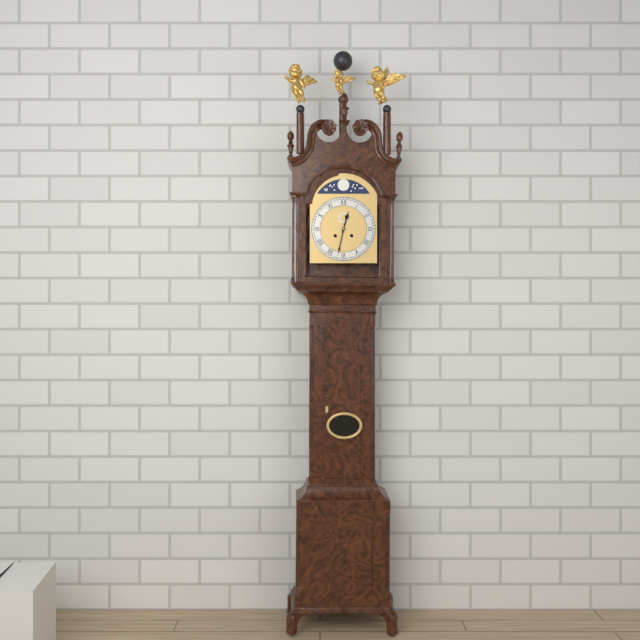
12:32
